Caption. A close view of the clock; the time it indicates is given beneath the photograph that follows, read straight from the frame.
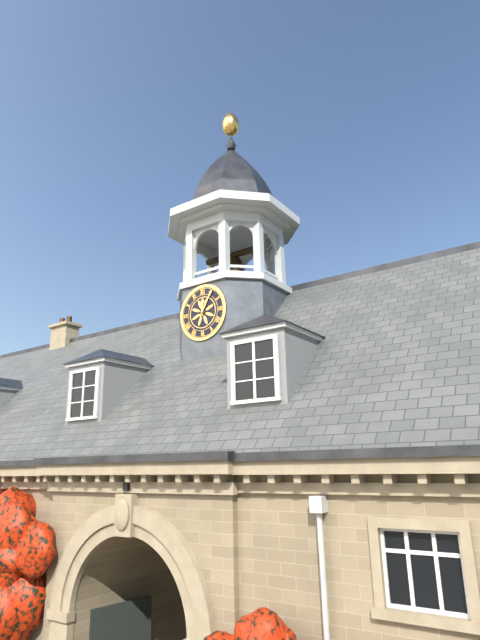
12:05
